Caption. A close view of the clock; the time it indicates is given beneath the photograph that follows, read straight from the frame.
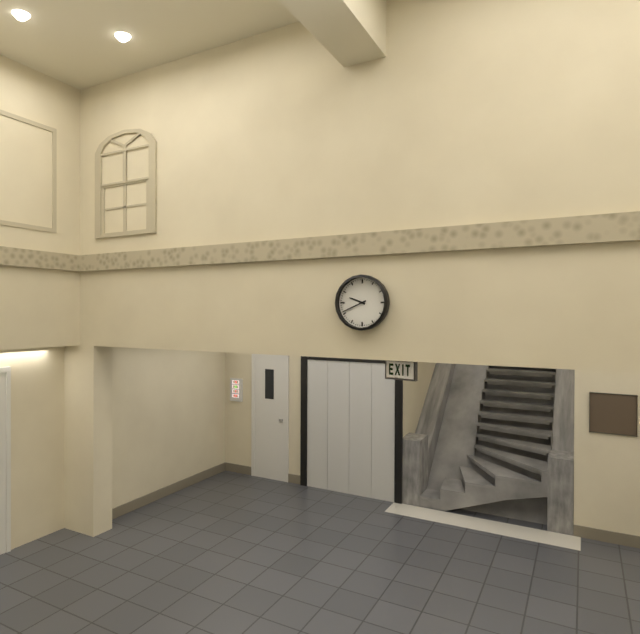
9:41
